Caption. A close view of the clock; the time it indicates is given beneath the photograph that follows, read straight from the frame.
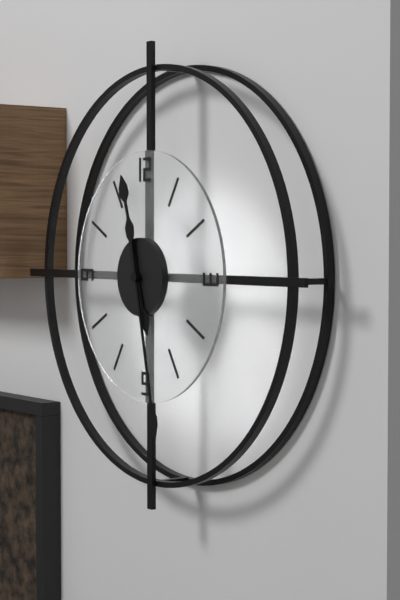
11:28
